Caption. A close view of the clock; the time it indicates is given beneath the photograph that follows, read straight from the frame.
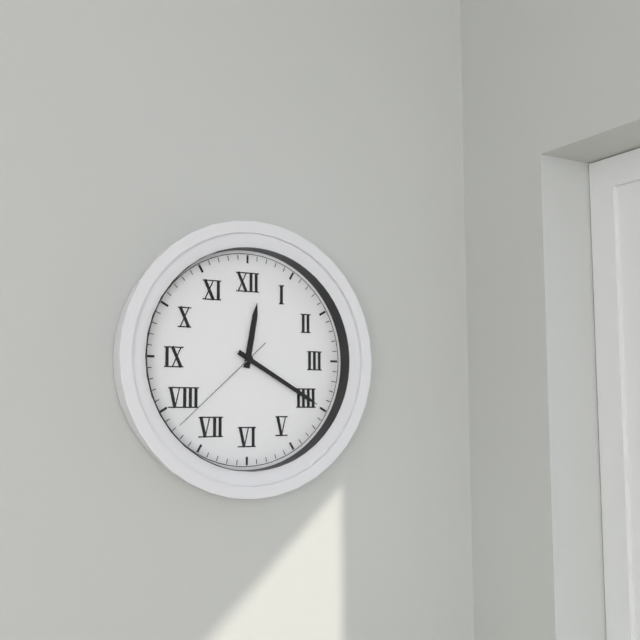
12:20:38
